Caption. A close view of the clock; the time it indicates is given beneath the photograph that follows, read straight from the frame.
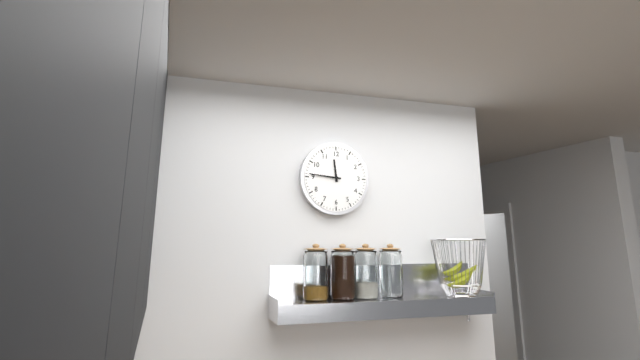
11:46
